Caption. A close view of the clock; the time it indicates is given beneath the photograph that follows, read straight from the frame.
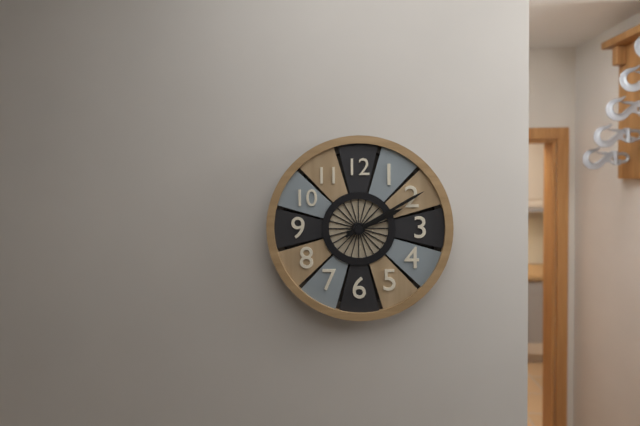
2:10
